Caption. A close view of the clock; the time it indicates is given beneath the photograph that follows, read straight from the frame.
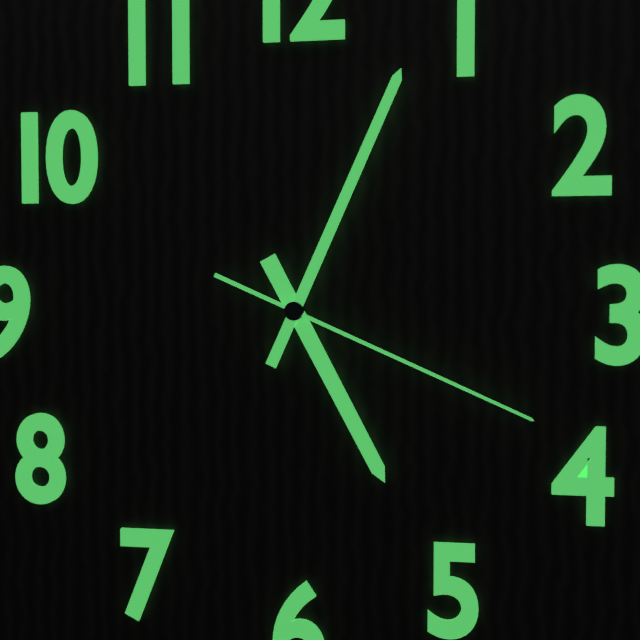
5:04:19
